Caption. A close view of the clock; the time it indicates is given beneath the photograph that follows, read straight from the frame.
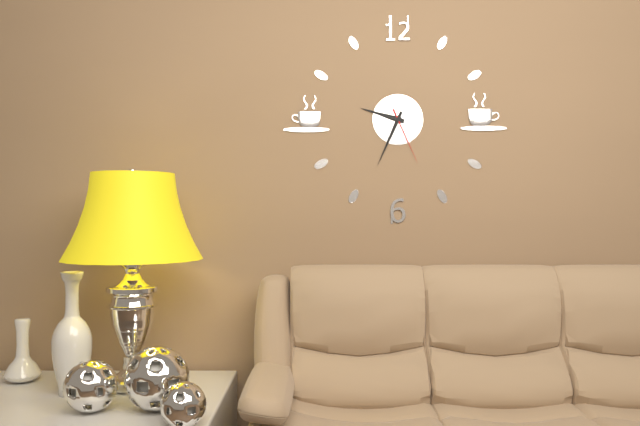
9:34:26
